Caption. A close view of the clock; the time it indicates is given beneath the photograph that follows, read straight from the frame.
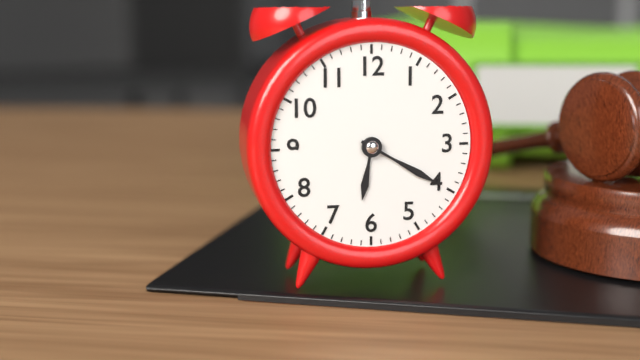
6:20
